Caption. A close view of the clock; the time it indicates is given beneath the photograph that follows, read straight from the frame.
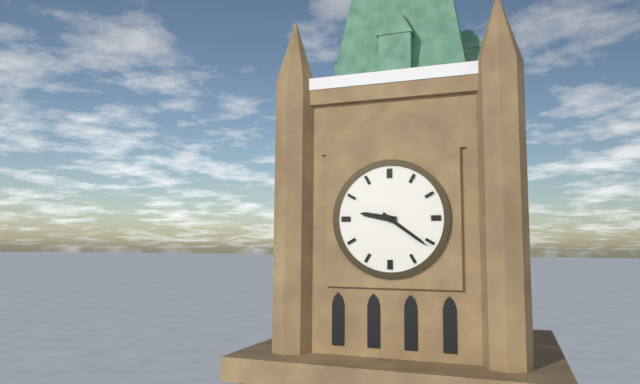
9:21
